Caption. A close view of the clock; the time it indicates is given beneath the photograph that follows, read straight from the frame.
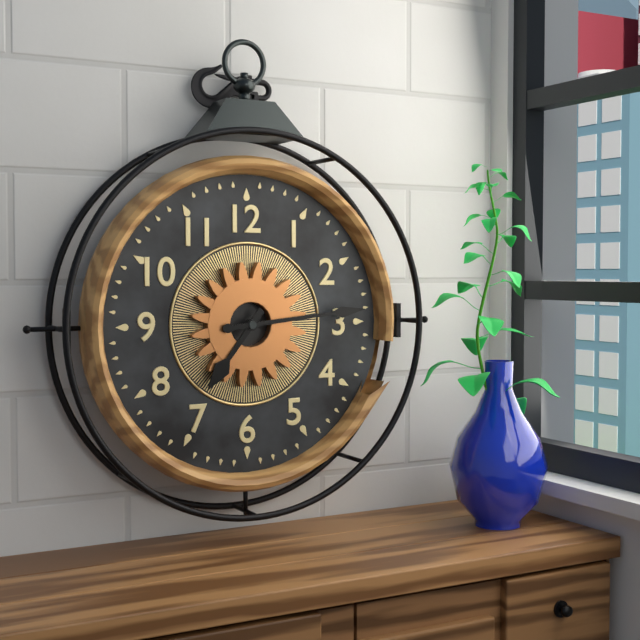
7:14
